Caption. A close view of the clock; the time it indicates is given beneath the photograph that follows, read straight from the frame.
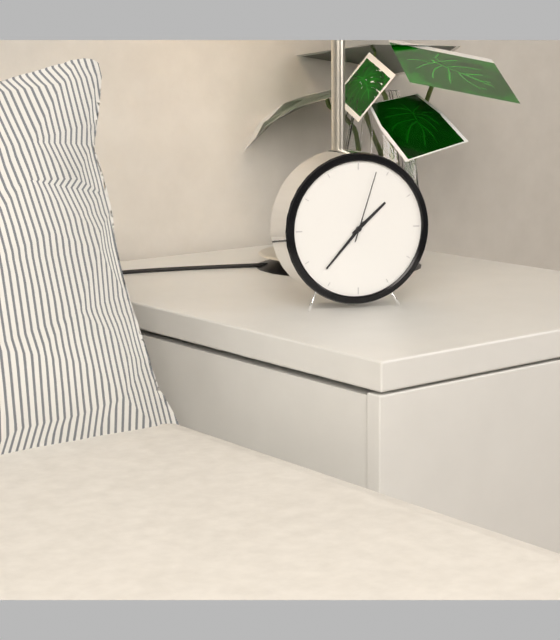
1:37:03
